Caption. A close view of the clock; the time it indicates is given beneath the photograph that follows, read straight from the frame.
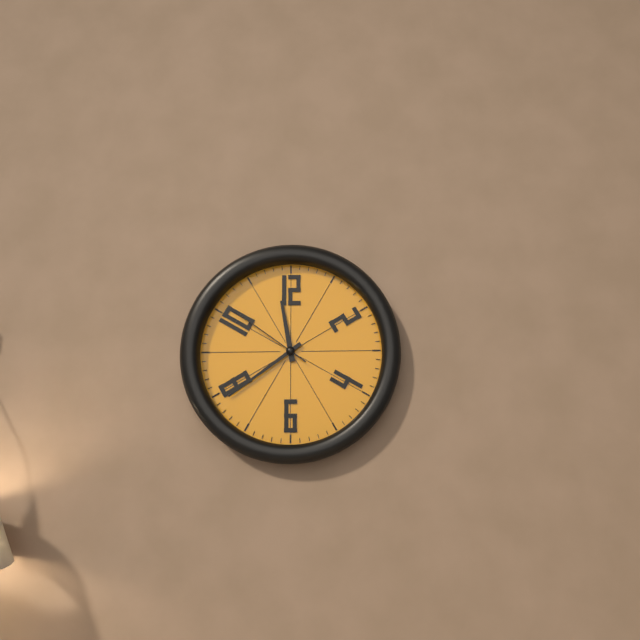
11:39:51
